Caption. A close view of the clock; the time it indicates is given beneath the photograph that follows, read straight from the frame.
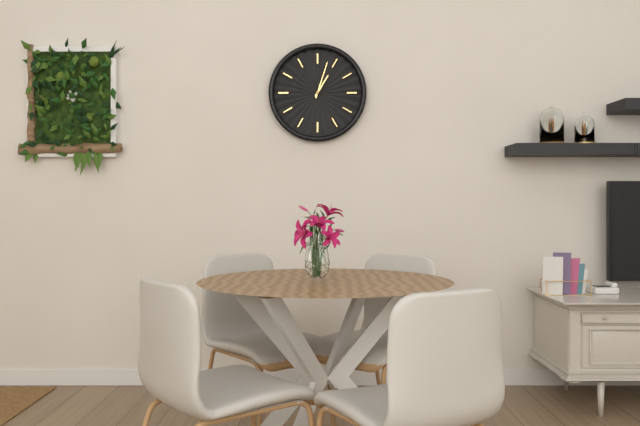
1:03
